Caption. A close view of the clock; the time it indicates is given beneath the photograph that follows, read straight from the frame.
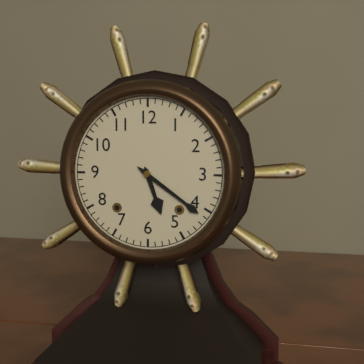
5:21
